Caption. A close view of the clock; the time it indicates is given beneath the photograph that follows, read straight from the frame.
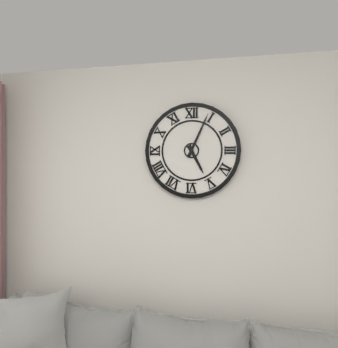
5:04
